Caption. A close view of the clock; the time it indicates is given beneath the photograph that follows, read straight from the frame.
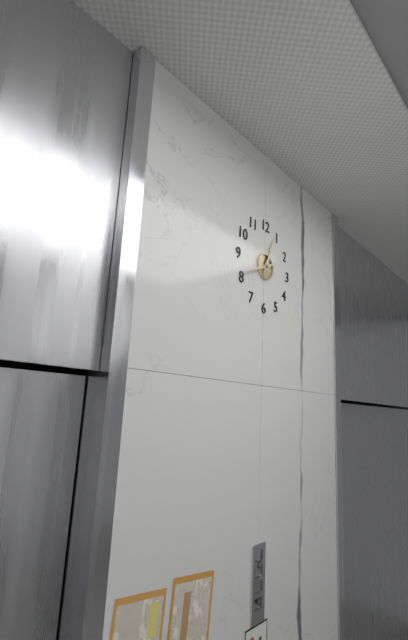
12:41
